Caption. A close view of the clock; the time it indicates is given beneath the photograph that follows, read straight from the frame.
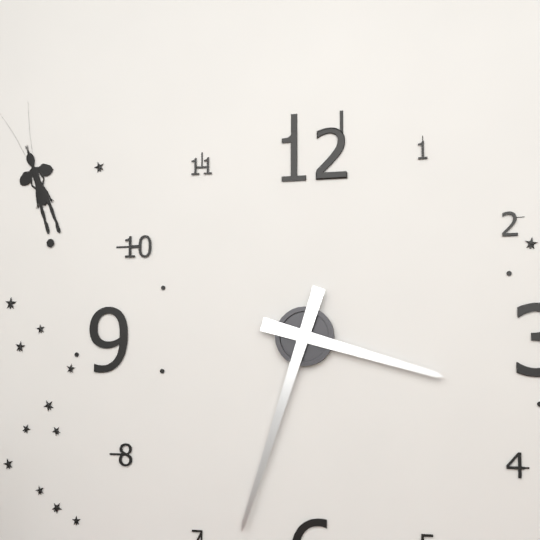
3:33
